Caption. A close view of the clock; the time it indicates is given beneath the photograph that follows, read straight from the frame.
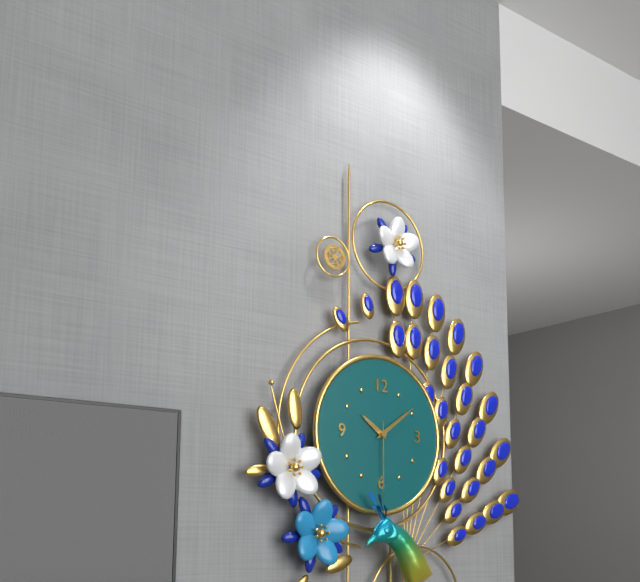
10:09:30
